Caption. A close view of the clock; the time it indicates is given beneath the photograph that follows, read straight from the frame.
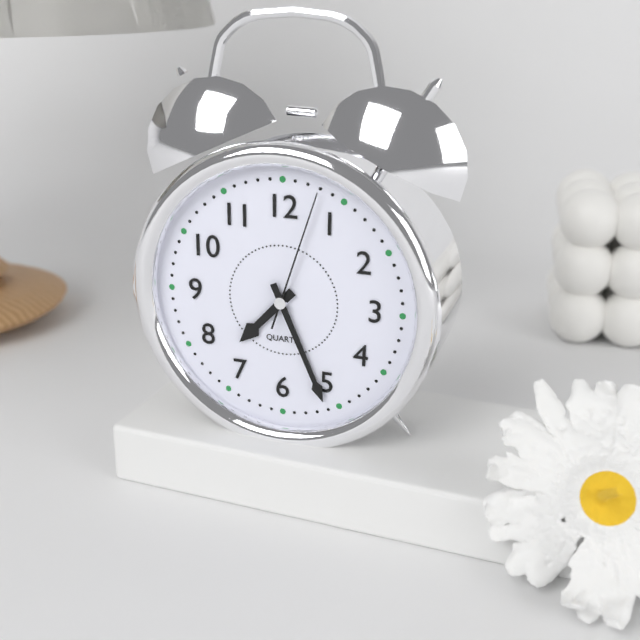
7:26:03
